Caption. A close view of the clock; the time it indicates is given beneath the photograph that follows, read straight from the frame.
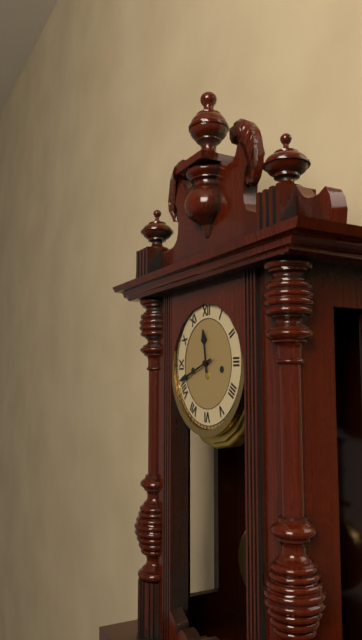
11:42
